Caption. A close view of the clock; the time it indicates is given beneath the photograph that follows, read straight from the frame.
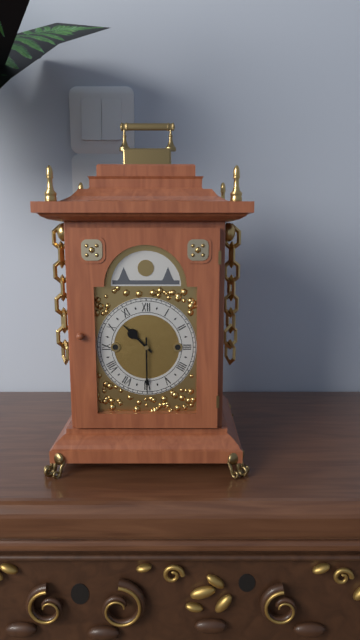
10:30
